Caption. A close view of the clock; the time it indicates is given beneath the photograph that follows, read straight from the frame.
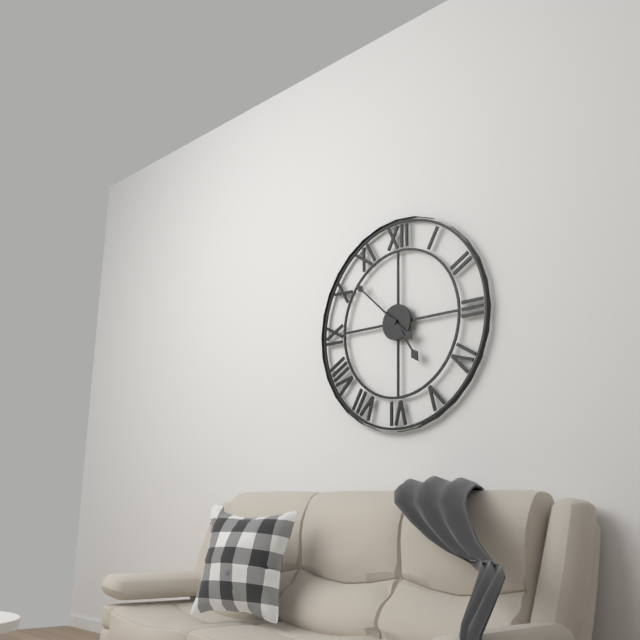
4:52
